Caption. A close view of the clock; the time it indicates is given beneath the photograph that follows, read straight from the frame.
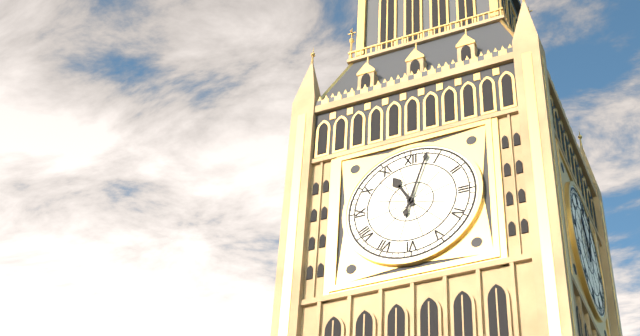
11:03
